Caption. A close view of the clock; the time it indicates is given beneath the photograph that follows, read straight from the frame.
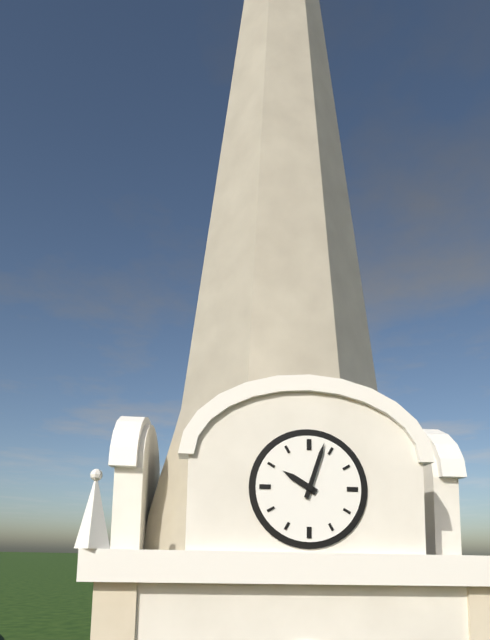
10:03
